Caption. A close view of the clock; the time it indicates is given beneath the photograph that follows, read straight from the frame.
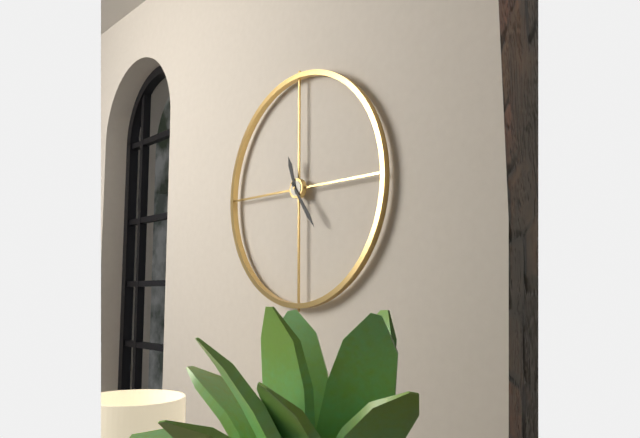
11:24
